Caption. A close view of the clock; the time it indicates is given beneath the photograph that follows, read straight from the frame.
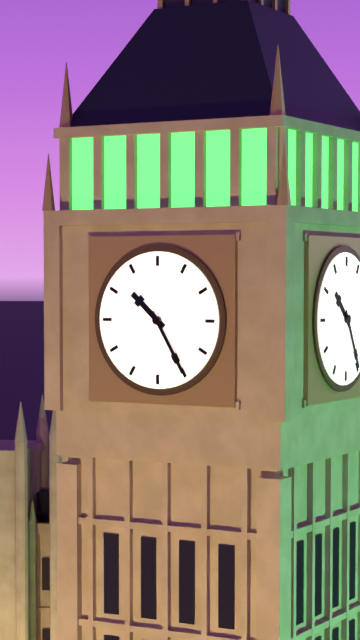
10:25
